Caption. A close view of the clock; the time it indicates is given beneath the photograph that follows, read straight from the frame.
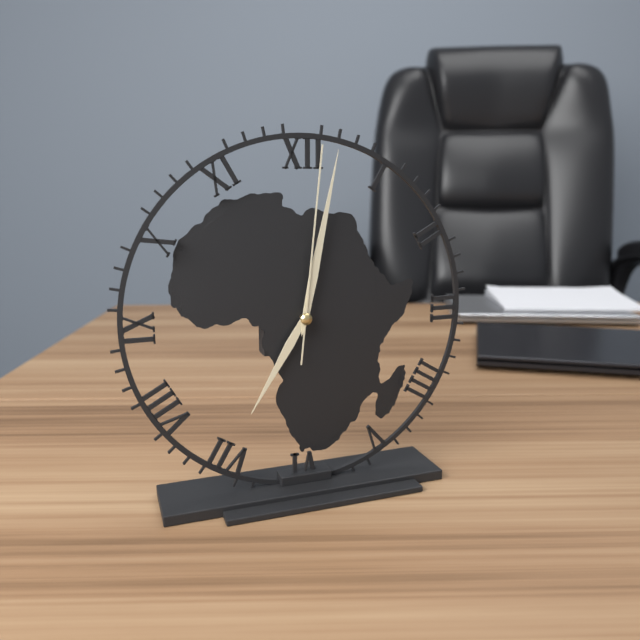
7:02:01
